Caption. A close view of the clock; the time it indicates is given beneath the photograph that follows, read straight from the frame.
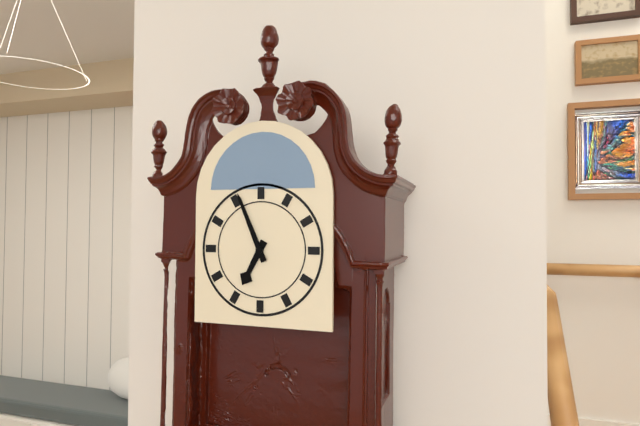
6:56
